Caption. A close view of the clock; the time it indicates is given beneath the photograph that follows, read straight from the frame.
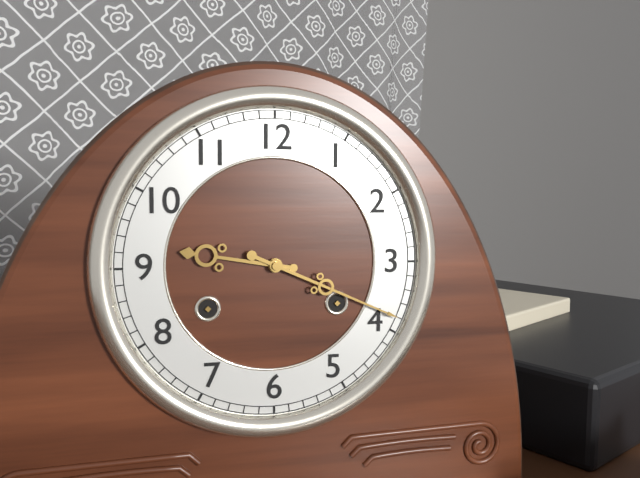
9:19
